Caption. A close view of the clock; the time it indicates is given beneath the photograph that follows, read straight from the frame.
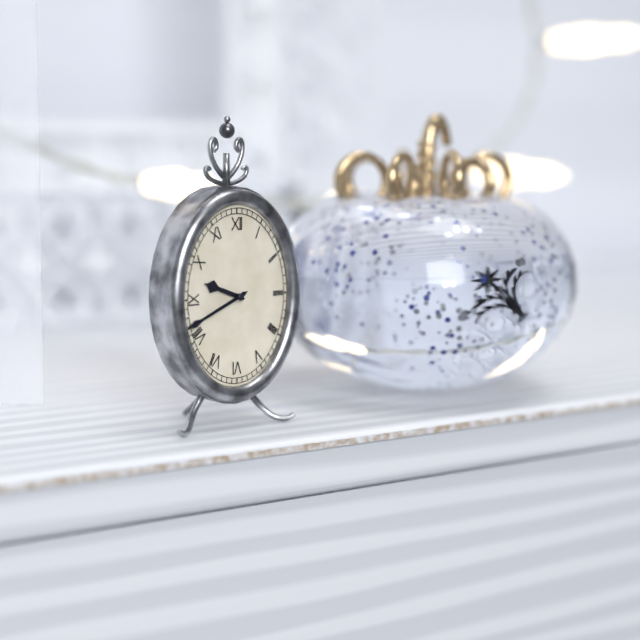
9:41
